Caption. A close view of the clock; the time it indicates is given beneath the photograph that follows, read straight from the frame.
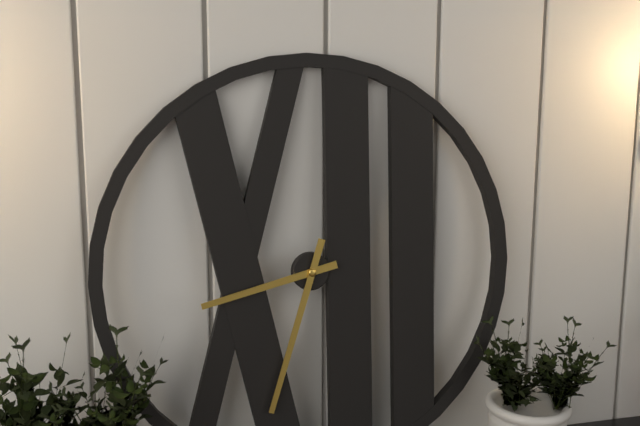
8:33
